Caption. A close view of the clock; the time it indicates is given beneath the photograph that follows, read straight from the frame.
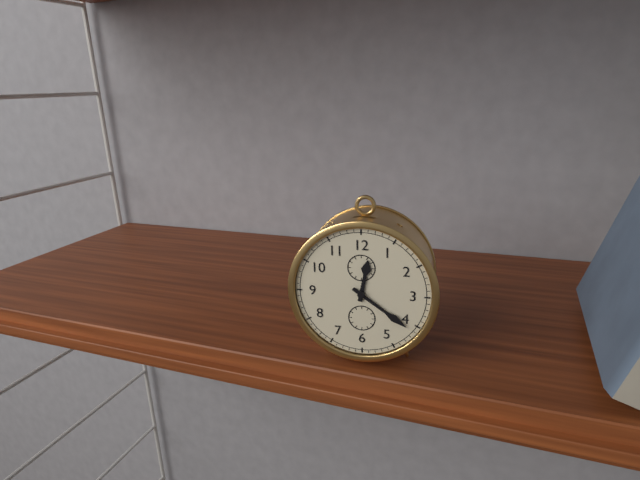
12:21
